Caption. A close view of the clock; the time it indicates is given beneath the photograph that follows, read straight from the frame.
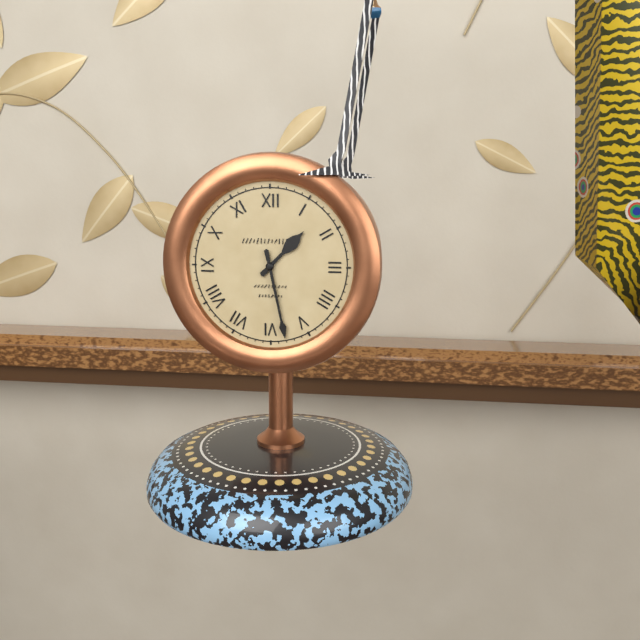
1:28
